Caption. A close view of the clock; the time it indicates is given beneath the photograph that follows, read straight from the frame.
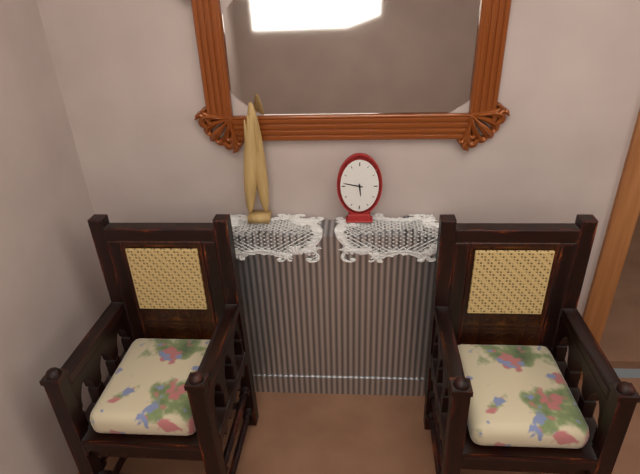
5:47
